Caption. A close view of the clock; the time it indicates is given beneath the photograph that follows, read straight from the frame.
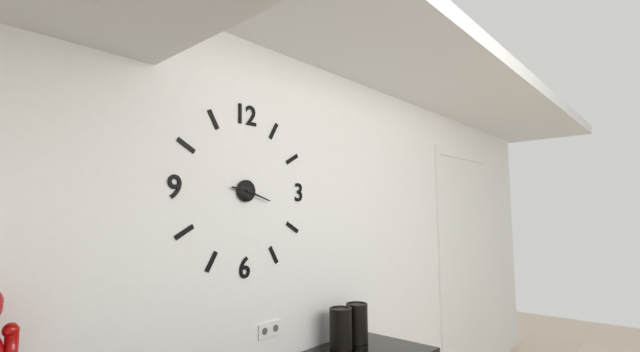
9:18
